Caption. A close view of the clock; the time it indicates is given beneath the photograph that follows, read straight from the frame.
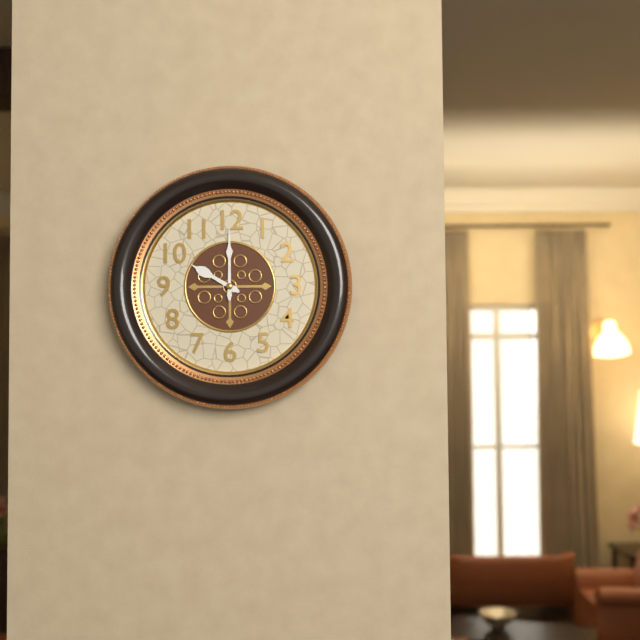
10:00
